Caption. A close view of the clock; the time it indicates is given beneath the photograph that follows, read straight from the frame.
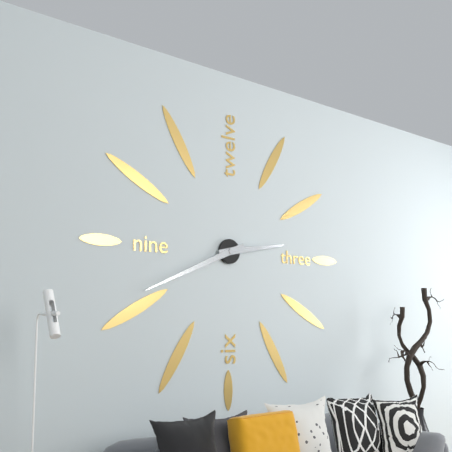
2:41
